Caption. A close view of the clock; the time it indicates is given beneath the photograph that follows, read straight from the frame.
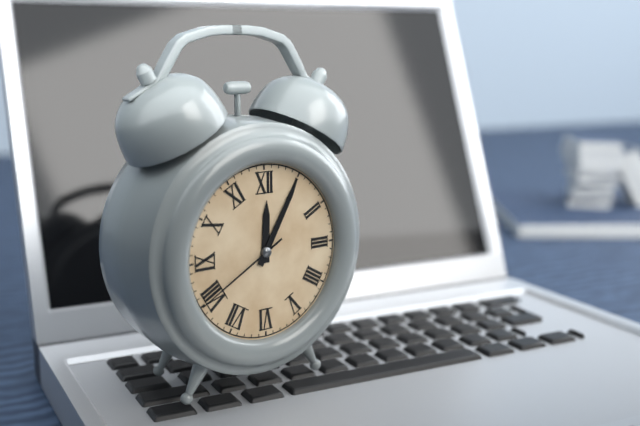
12:05:40
